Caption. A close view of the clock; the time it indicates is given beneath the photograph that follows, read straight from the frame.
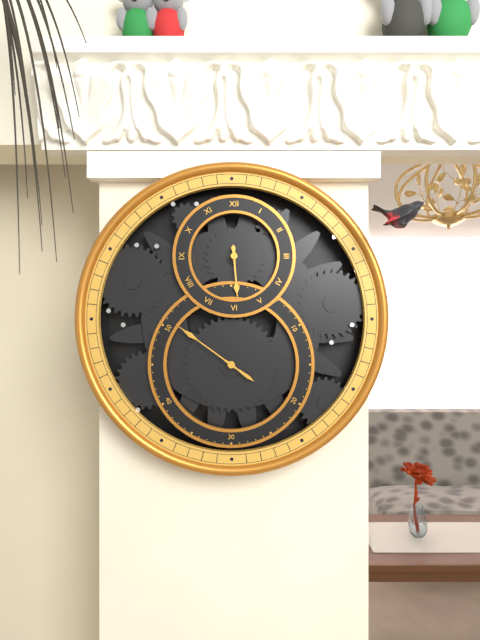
5:51
